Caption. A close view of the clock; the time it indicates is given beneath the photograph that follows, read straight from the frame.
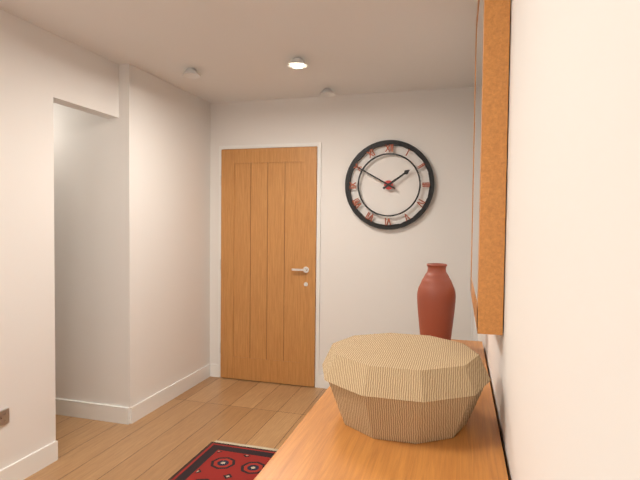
1:50
